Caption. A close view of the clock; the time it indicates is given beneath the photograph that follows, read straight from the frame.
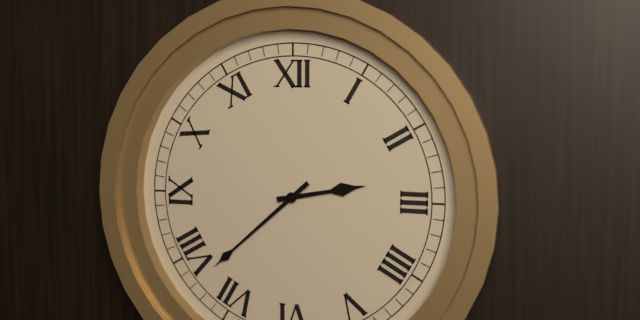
2:38
